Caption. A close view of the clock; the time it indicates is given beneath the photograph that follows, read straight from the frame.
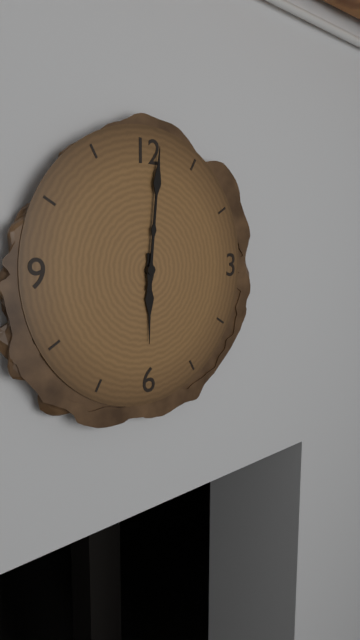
6:01
